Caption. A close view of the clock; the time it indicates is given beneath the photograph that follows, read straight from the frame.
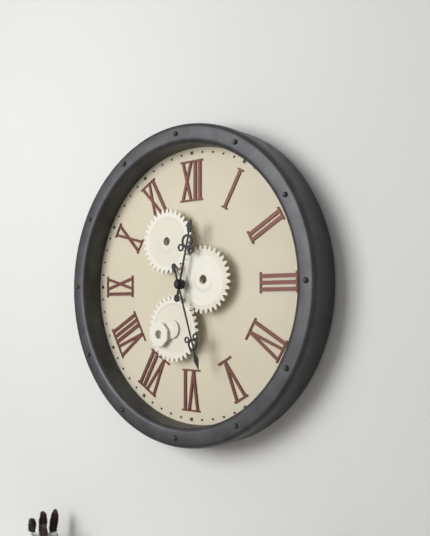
12:27
